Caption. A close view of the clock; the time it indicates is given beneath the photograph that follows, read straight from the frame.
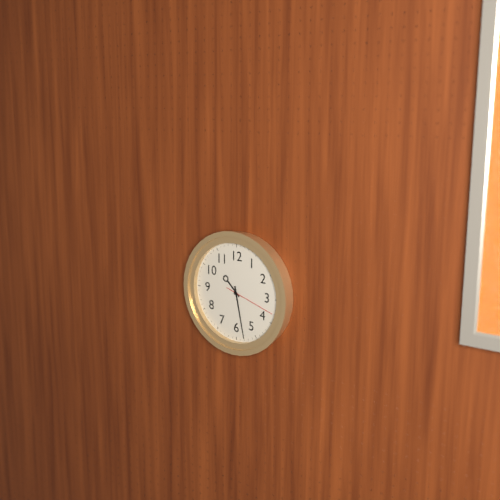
10:28:18
